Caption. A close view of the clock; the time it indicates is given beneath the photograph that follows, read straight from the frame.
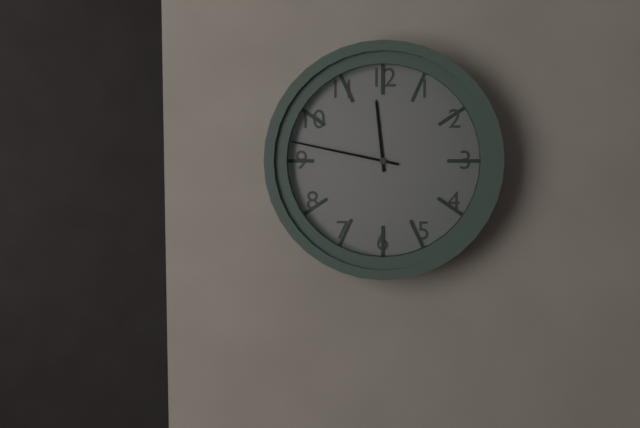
11:47
